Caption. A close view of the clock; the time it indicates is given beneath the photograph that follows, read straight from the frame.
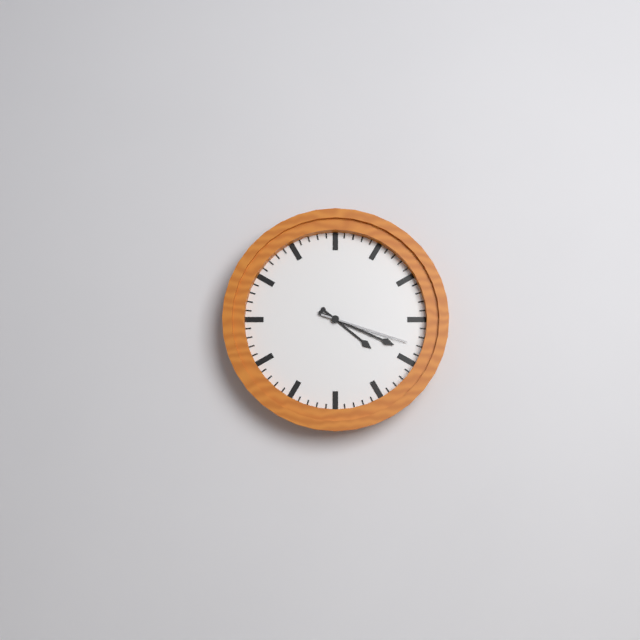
4:19:18
